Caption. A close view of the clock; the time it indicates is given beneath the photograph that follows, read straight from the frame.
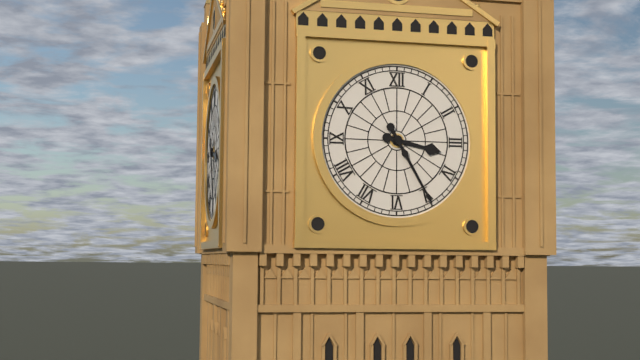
3:25
